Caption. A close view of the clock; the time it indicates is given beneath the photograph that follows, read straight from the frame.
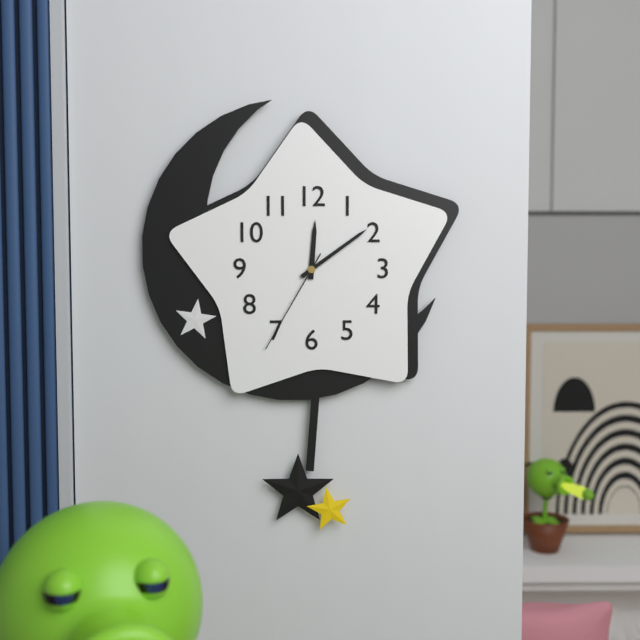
12:09:35
